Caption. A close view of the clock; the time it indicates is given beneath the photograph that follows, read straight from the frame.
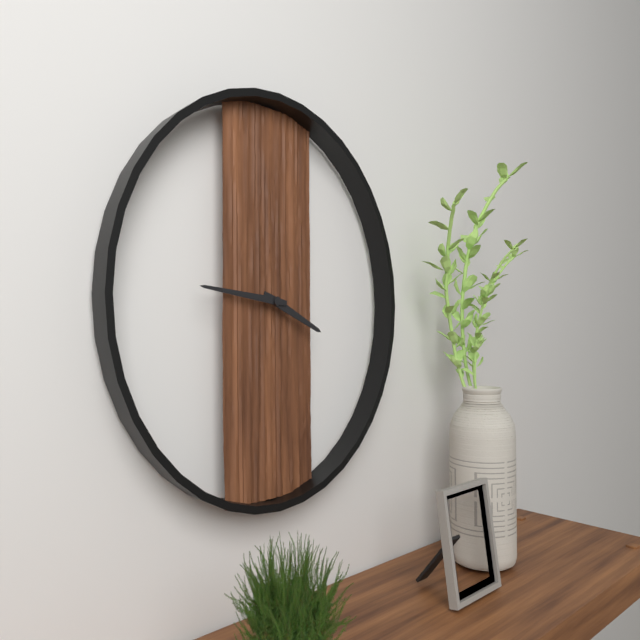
3:46
